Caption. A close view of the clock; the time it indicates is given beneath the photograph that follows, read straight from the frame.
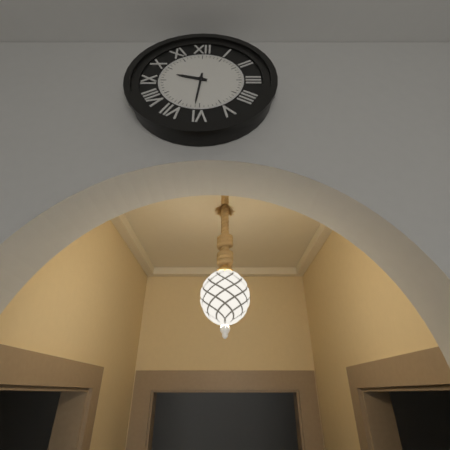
9:31
